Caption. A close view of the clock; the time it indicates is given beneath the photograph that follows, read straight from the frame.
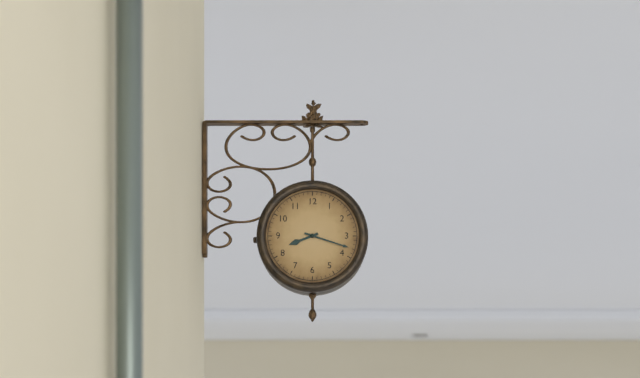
8:18
